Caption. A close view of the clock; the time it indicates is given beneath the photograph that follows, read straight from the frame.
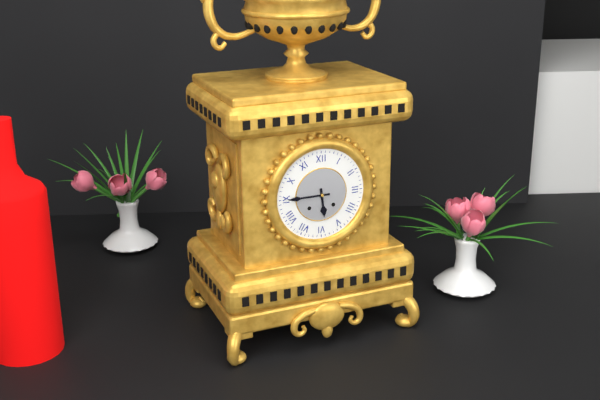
5:45
